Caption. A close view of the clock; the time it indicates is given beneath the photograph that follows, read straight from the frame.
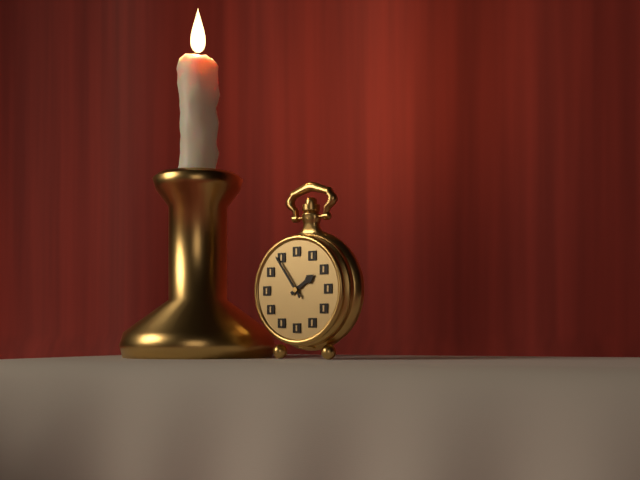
1:54
